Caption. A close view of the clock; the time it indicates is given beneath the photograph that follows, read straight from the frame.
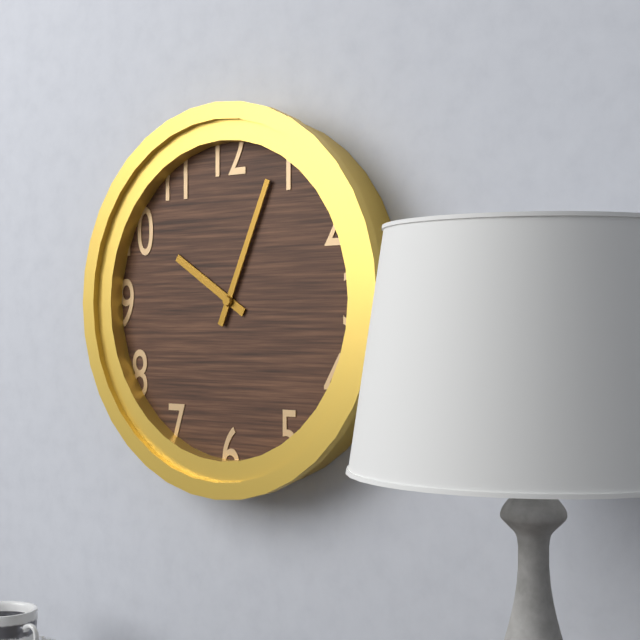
10:04
